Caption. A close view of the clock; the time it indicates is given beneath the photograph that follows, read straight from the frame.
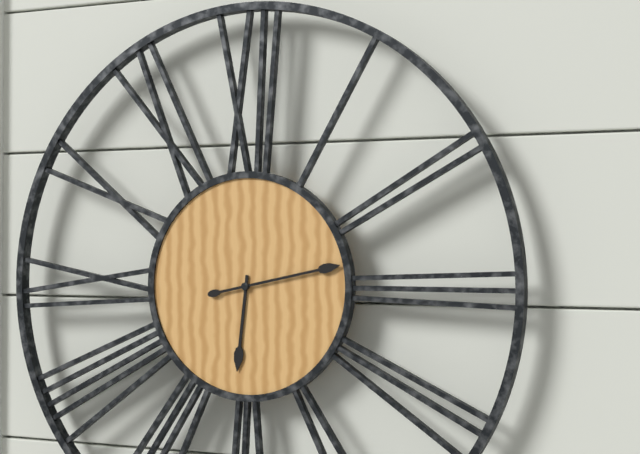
6:13
